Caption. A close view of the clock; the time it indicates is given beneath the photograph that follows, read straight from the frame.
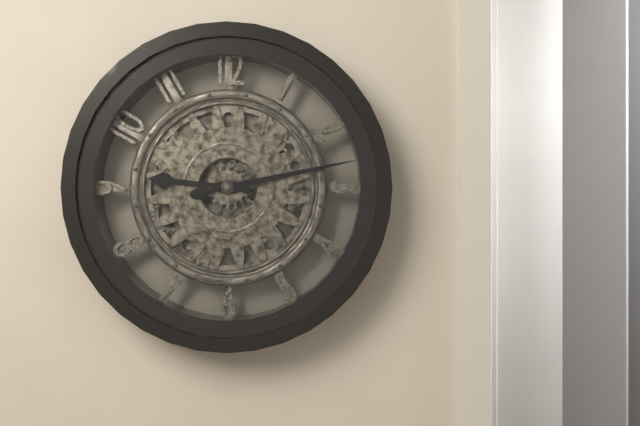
9:13
